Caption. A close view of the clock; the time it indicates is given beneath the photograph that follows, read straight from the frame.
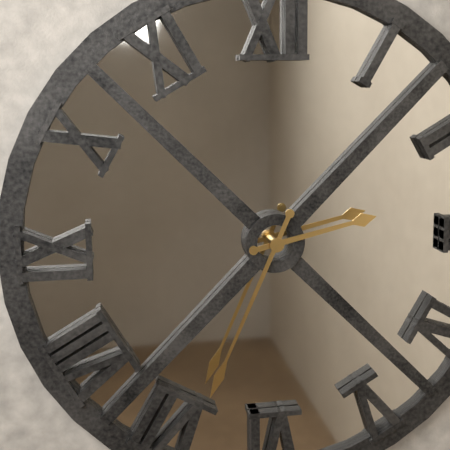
2:34
